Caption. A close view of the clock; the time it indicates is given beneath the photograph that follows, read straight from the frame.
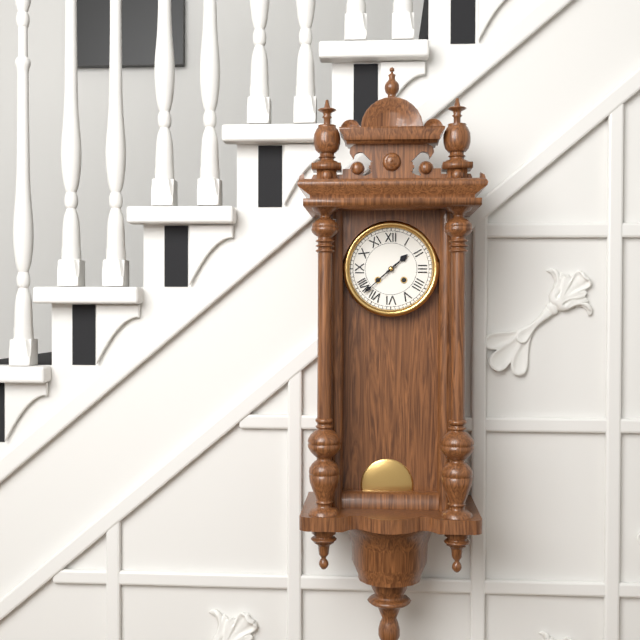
1:38
